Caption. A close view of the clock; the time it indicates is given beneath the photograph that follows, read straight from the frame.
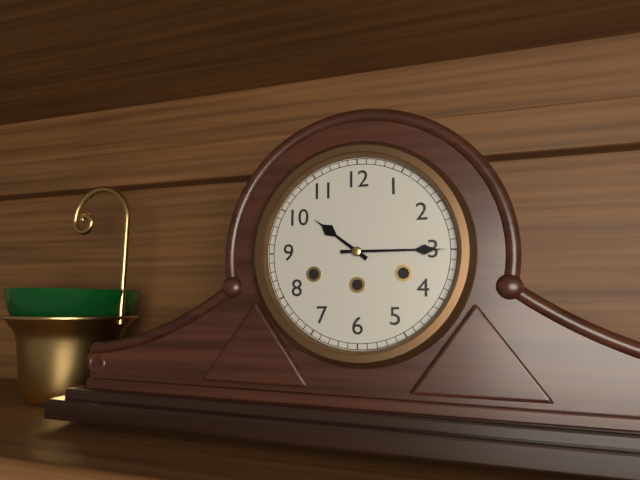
10:15
